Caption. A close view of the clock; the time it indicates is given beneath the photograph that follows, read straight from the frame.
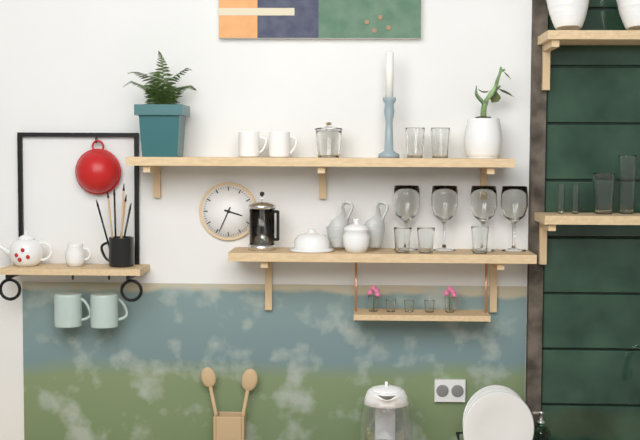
3:34
